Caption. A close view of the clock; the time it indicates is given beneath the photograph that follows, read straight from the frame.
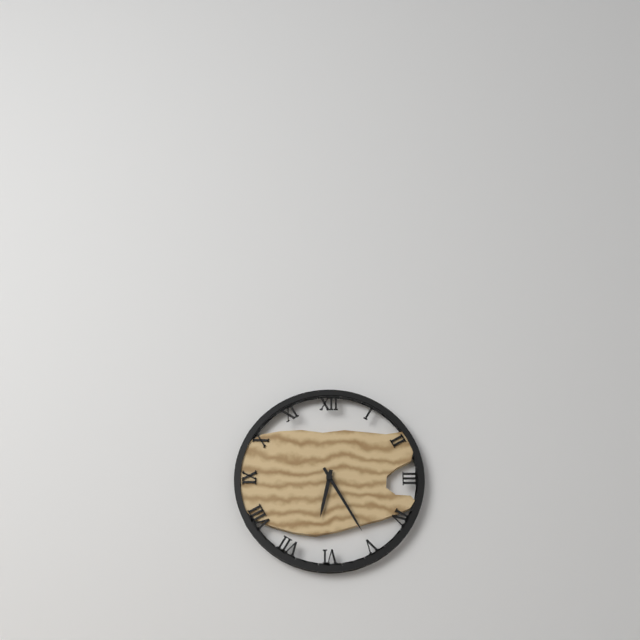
6:25
